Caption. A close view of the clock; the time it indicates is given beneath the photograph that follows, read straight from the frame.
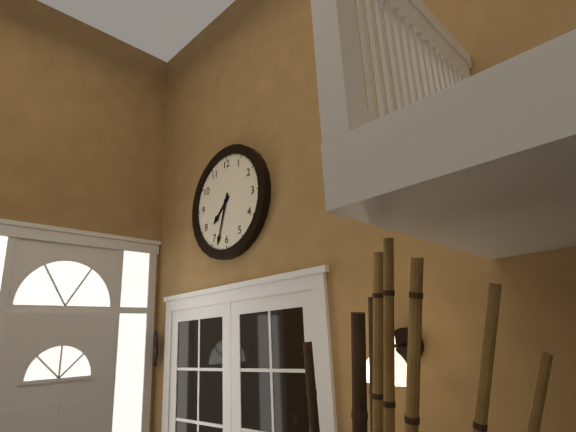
7:33
